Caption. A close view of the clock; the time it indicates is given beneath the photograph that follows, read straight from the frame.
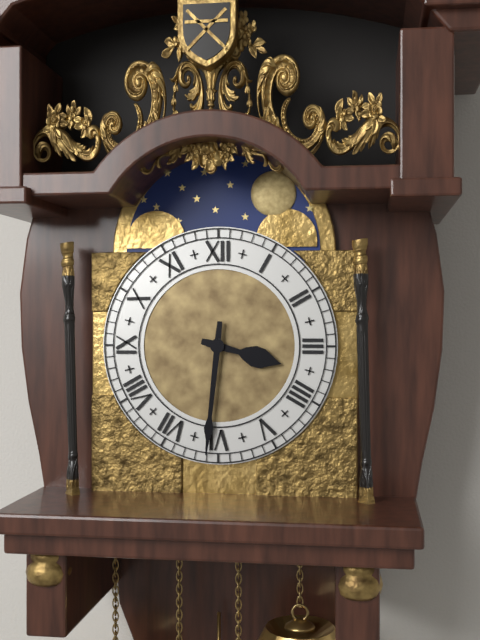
3:31
